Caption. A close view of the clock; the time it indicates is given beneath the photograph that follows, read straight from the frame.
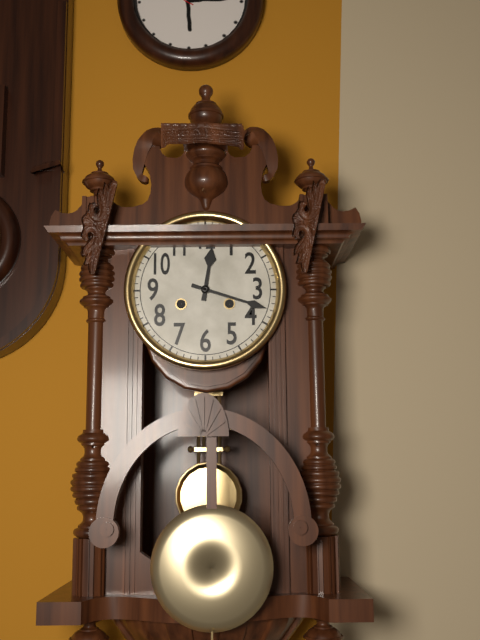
12:18
